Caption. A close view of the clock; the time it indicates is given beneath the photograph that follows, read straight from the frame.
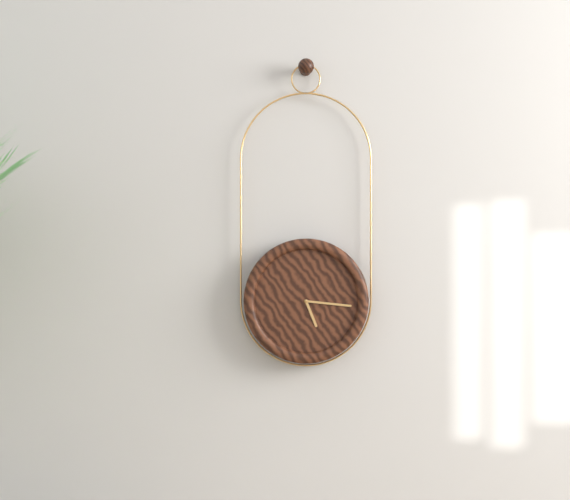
5:16
